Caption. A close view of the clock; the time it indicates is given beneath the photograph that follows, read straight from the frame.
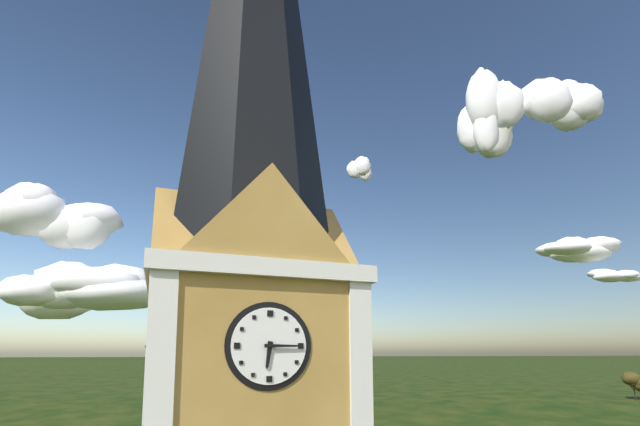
6:15
